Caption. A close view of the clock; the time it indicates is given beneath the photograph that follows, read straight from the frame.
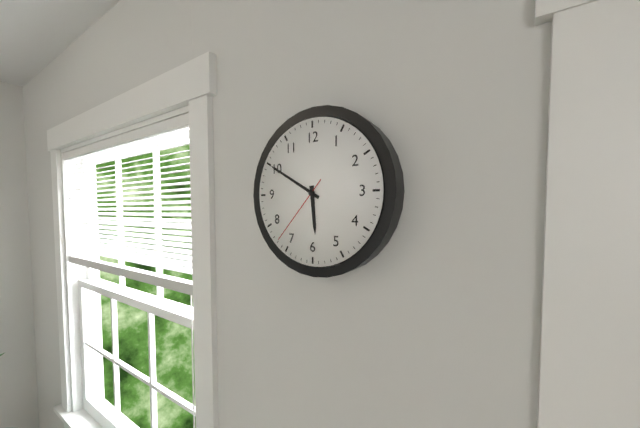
5:50:37
